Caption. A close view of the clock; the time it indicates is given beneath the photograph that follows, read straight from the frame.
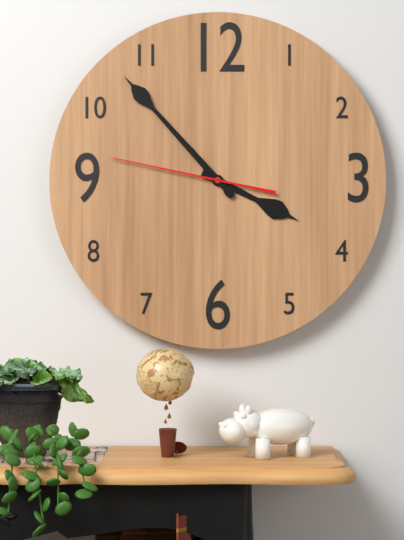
3:53:47
